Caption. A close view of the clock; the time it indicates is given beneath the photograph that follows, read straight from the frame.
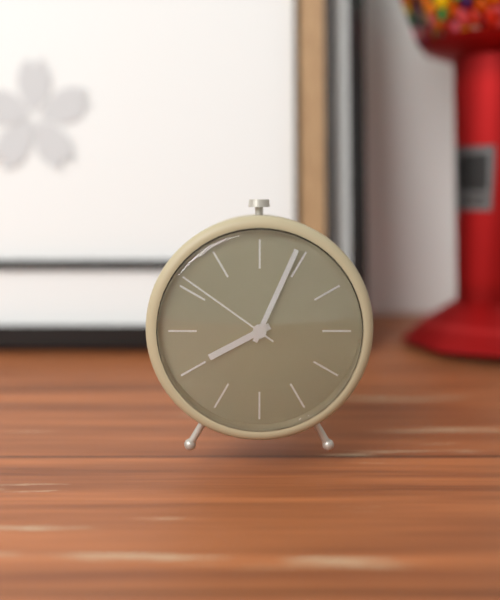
8:04:51
